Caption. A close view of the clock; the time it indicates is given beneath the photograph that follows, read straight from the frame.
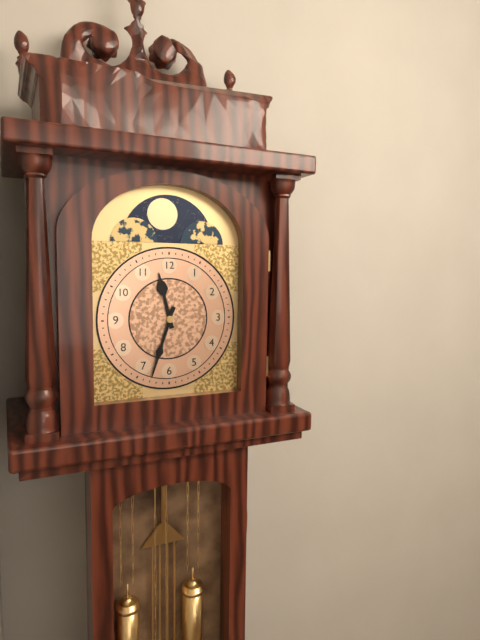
11:33
